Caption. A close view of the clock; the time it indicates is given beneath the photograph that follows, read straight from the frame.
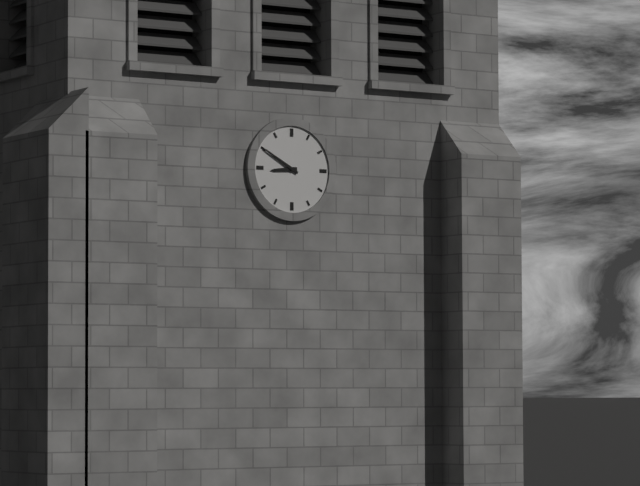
8:50
